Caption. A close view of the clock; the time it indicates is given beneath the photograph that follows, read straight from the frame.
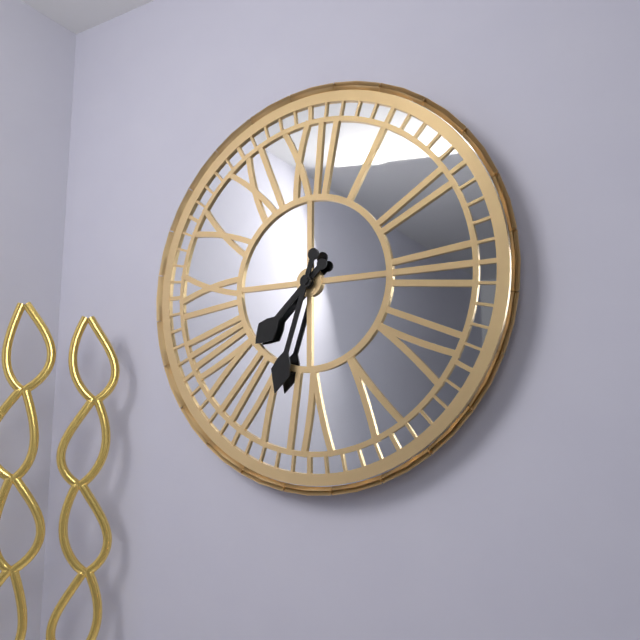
7:33
